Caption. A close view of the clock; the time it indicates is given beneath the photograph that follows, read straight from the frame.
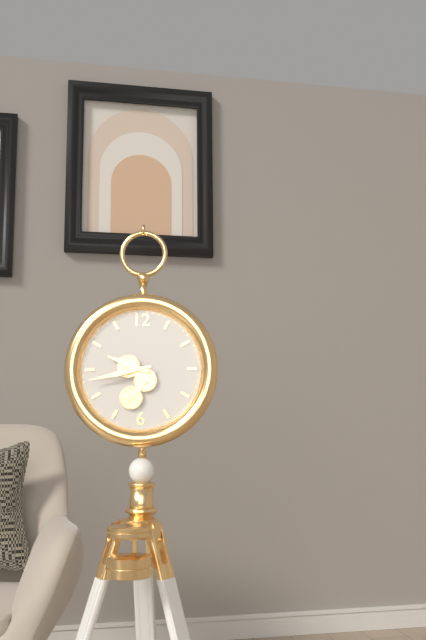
9:43
